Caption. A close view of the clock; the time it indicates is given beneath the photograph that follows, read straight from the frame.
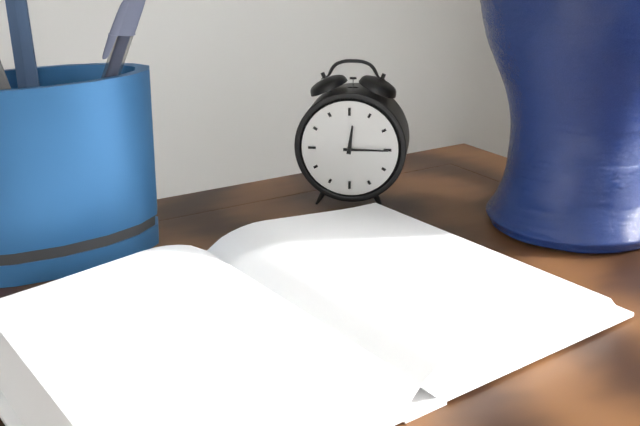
12:15
